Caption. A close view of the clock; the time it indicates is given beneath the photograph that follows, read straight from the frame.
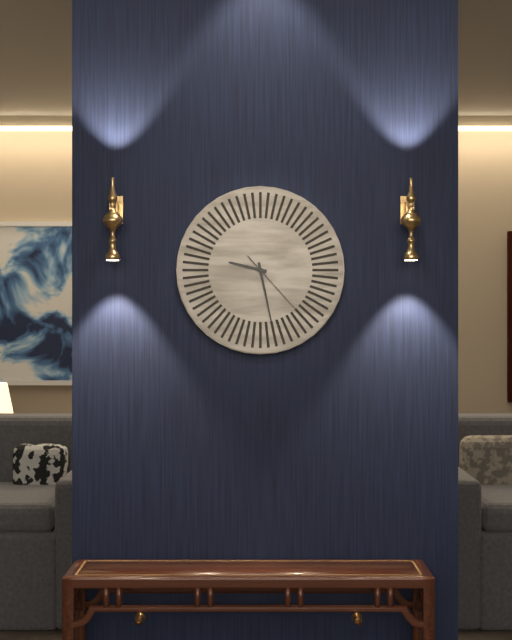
9:28:23
